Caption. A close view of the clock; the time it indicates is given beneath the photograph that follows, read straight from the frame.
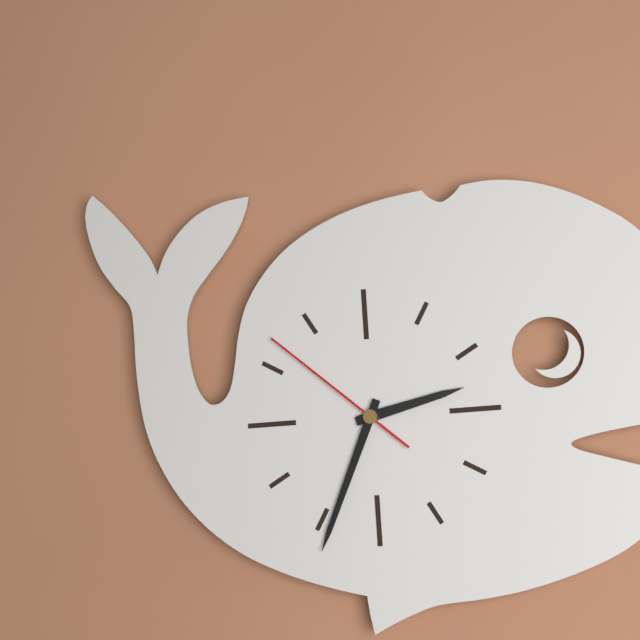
2:34:52
